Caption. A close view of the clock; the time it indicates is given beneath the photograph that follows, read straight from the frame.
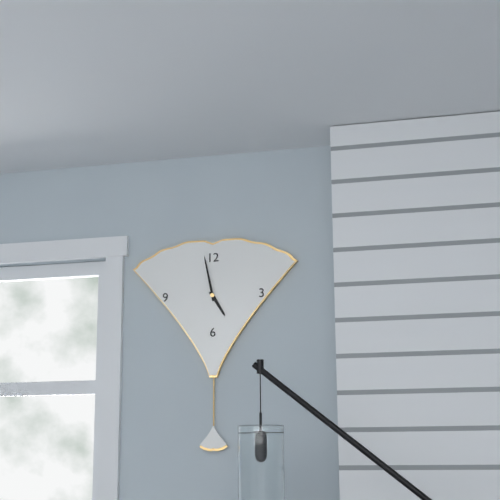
4:58
